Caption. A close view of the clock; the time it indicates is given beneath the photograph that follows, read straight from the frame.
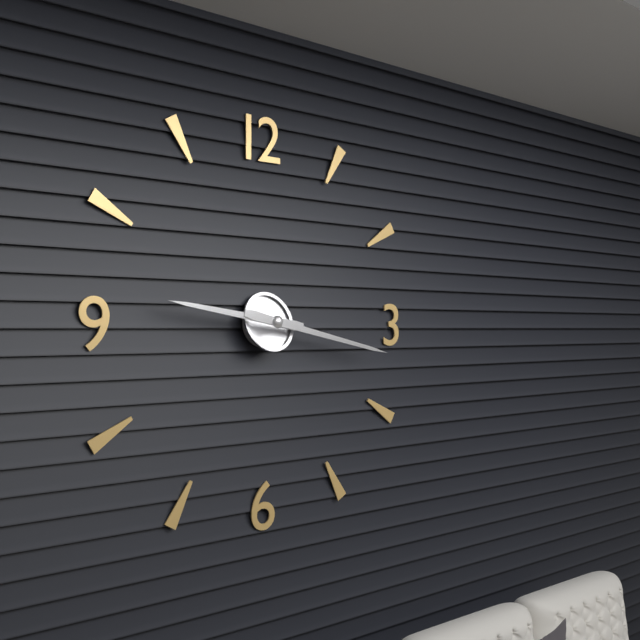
9:17
